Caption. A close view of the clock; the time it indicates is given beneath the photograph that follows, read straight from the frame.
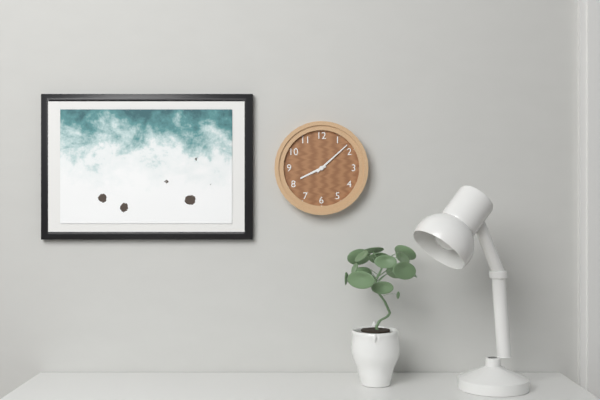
8:08
